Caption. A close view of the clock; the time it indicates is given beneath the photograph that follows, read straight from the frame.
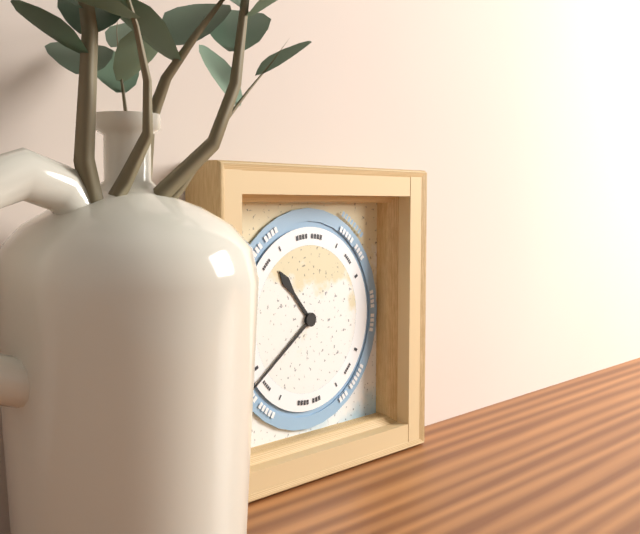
10:39
